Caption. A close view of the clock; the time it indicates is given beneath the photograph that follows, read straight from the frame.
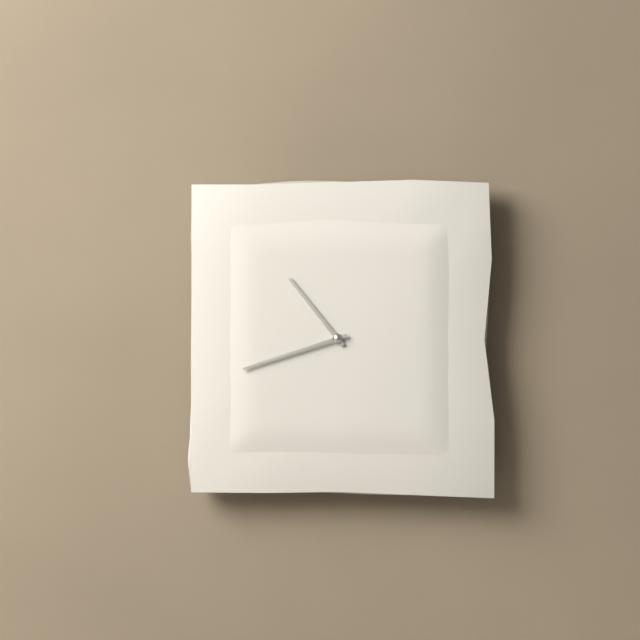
10:42
